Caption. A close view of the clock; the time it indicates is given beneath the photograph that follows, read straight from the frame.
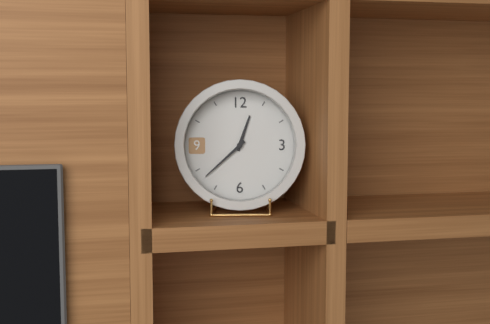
12:38
